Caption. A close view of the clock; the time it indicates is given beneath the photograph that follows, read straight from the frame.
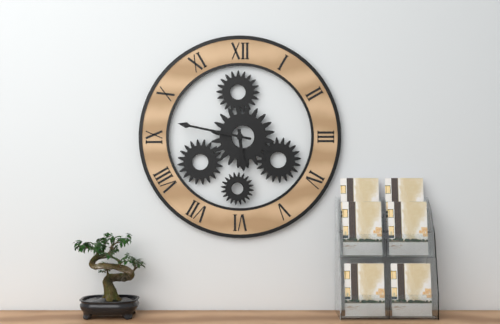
5:47
